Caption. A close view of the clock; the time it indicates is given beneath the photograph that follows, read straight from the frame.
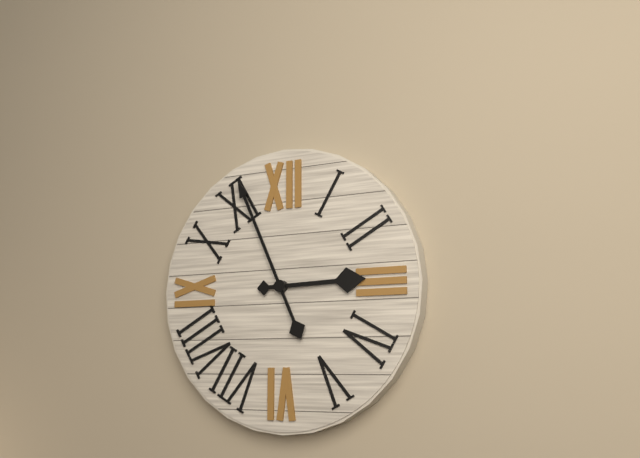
2:56
